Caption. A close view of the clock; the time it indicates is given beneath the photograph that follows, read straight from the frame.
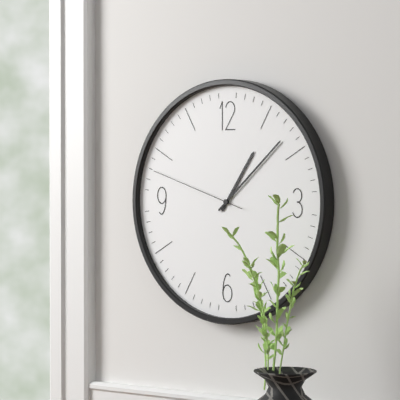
1:08:48
